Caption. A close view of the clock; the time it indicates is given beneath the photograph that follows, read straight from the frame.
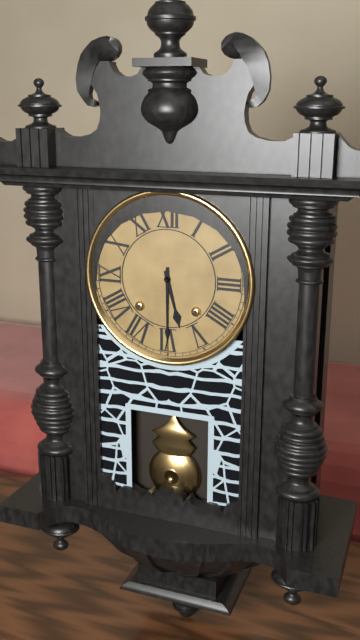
5:30
